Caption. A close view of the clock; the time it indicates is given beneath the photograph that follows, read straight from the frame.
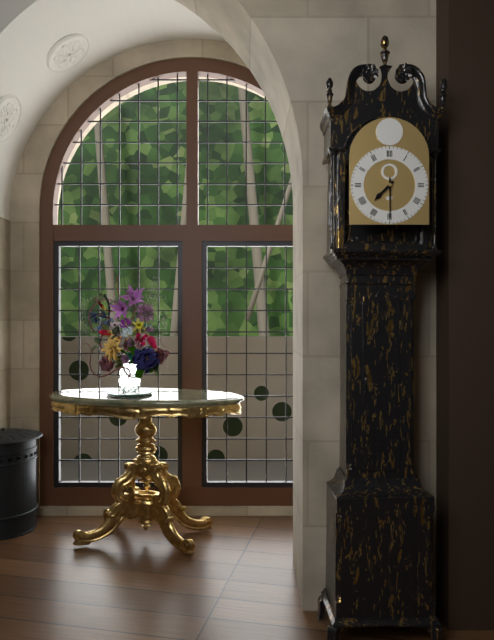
7:30
